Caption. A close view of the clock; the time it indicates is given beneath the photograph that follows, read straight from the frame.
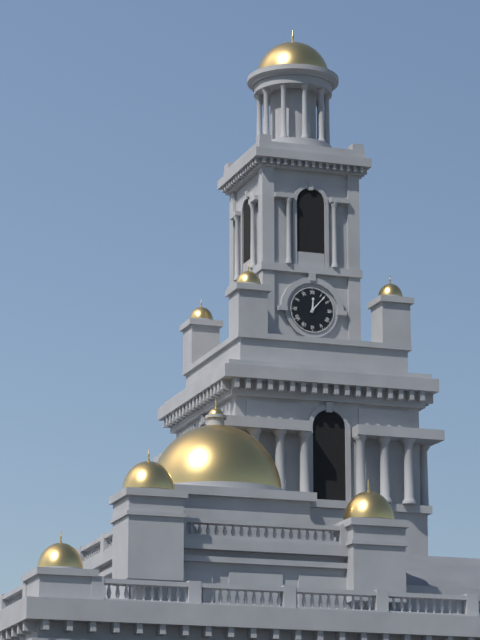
12:07
